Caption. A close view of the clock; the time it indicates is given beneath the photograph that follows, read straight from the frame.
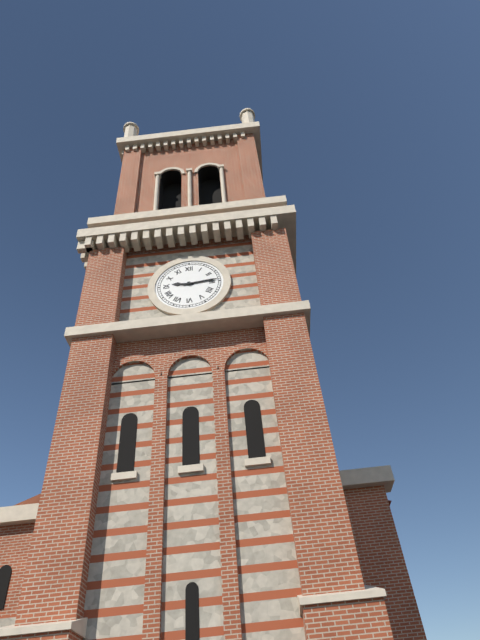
9:14
